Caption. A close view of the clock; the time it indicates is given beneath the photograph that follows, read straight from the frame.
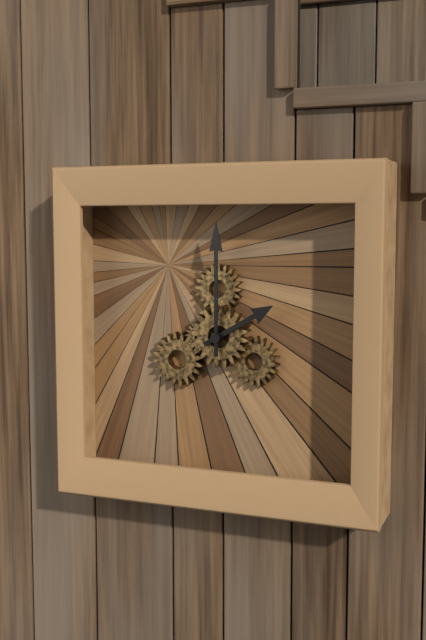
2:00
